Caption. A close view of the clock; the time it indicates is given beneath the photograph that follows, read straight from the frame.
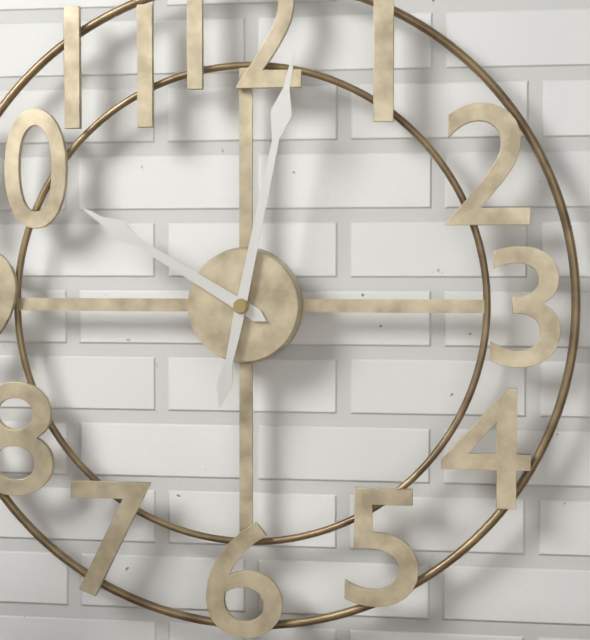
10:02
